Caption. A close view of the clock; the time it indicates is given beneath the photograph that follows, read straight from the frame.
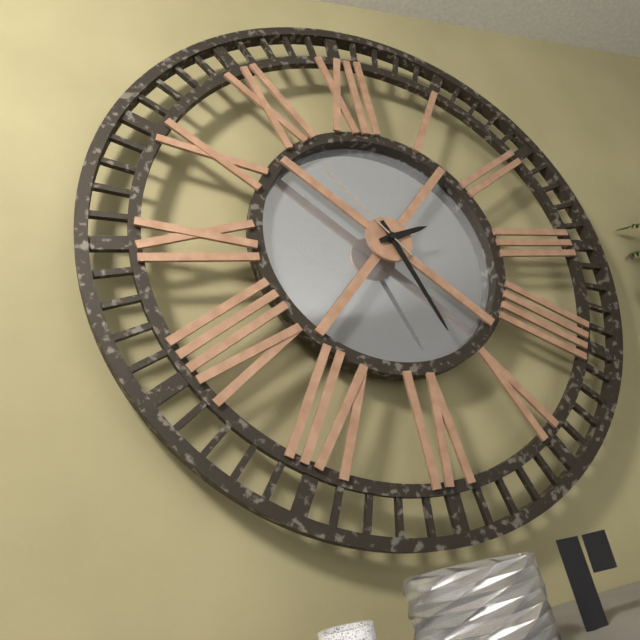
2:27:54
